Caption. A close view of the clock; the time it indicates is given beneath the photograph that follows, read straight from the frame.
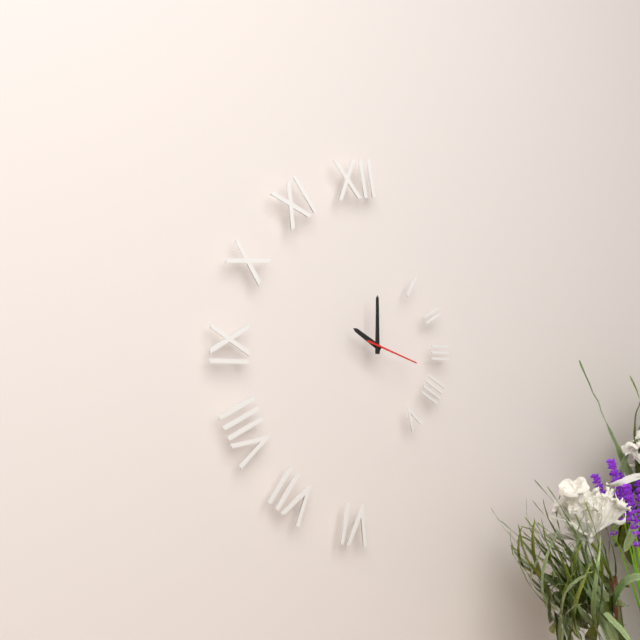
10:00:18
